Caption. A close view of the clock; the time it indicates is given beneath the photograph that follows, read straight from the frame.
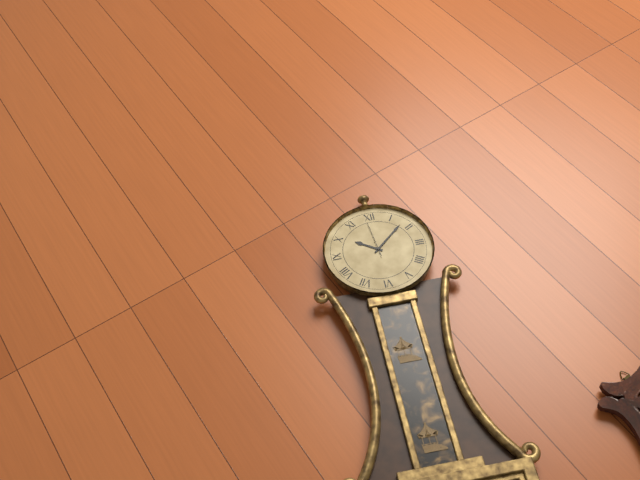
10:08
